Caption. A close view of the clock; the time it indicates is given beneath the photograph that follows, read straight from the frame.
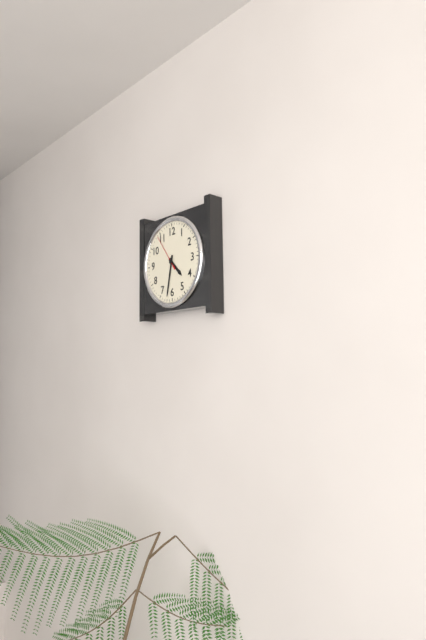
4:32
